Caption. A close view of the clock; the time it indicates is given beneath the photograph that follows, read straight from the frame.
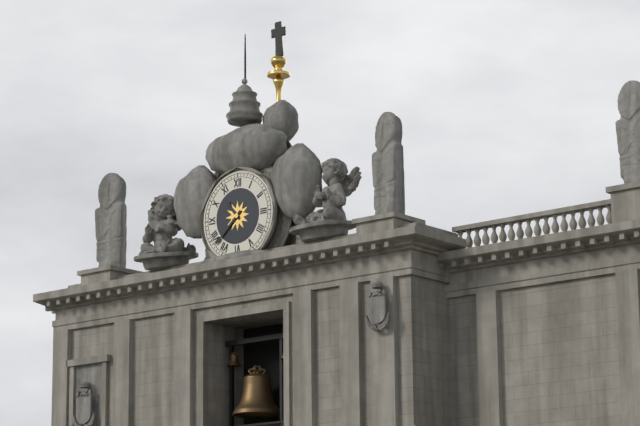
10:38
